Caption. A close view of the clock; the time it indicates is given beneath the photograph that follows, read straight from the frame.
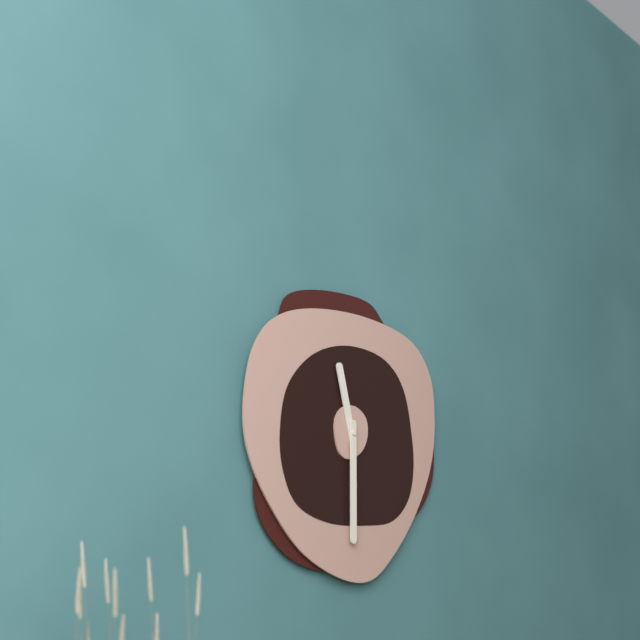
11:30
